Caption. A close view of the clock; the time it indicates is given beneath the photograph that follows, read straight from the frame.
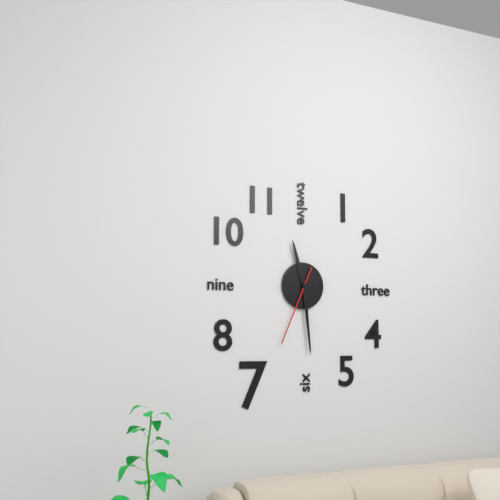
11:29:34
